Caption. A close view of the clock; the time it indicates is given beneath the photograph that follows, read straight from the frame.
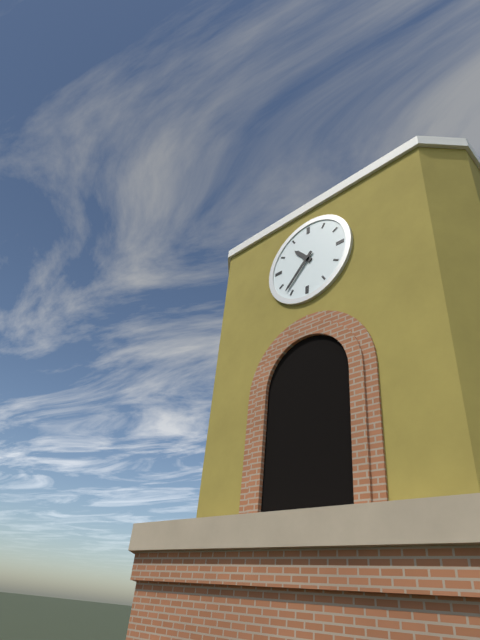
10:37
